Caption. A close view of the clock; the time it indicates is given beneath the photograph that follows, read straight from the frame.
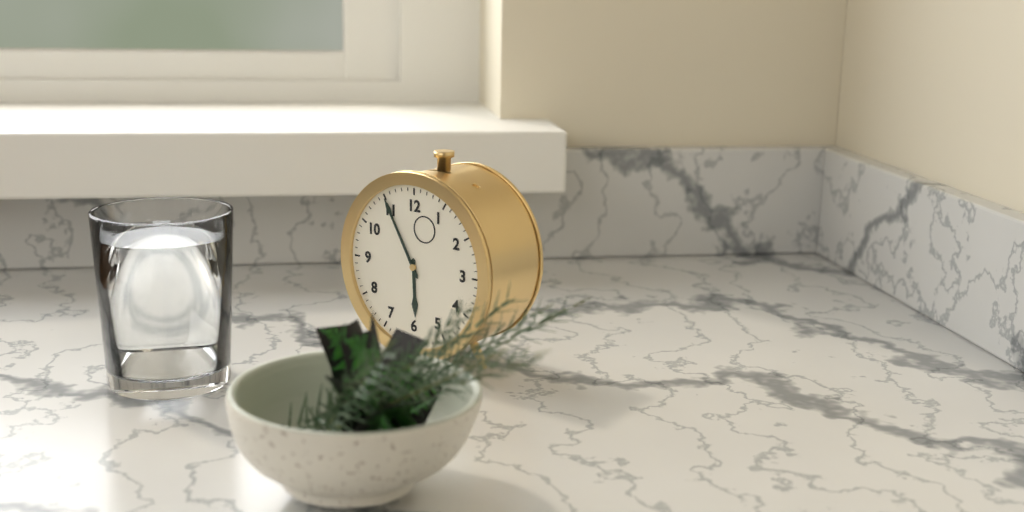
5:55
